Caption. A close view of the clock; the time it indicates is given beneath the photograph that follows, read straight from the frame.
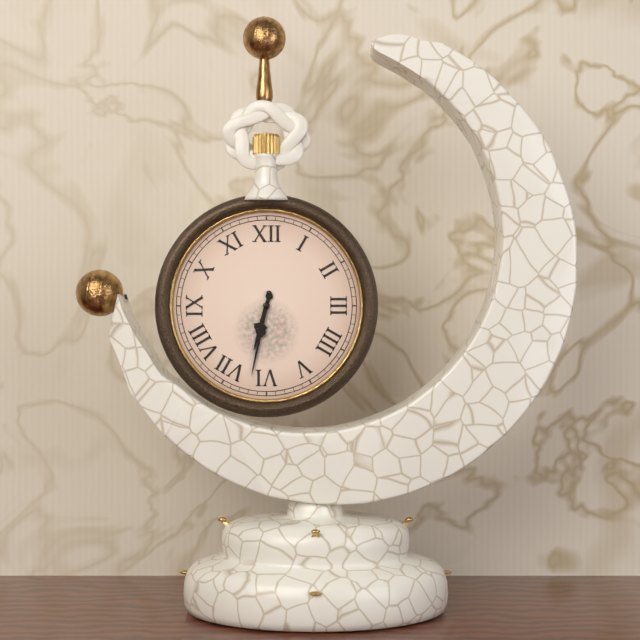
6:32
